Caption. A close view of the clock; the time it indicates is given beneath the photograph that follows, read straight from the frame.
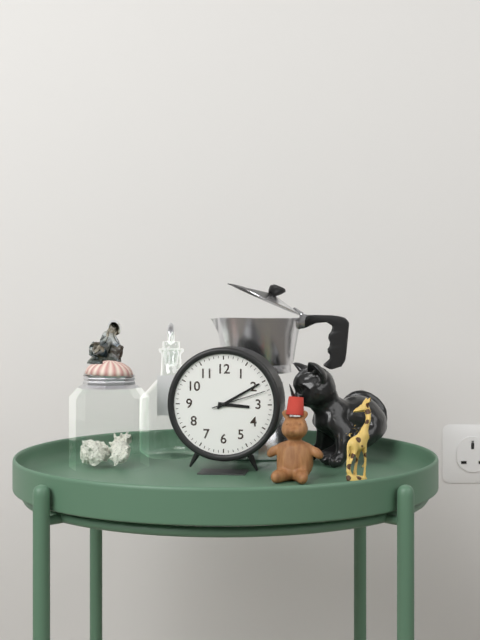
3:10:12
